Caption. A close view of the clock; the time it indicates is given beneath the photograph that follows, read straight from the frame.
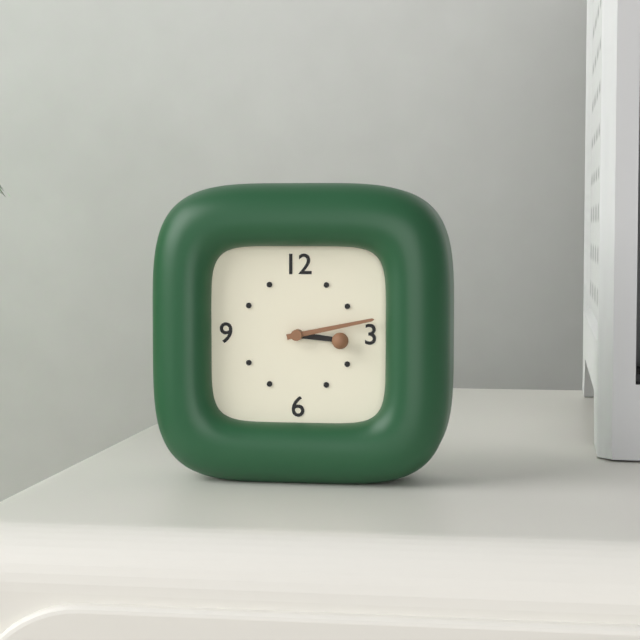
3:13
